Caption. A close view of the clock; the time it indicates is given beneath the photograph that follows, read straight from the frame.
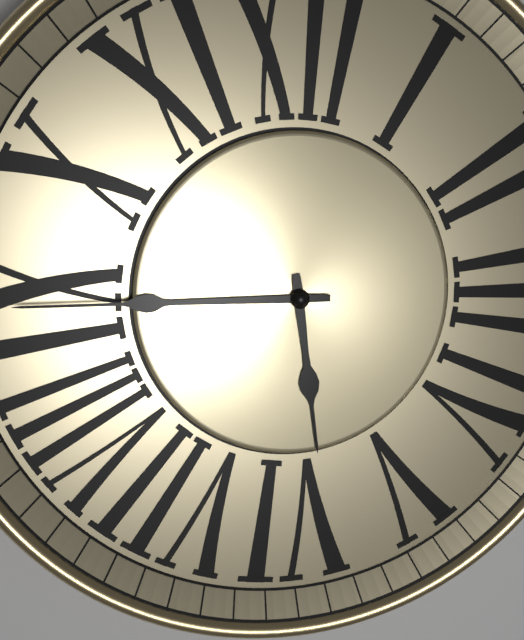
5:45
